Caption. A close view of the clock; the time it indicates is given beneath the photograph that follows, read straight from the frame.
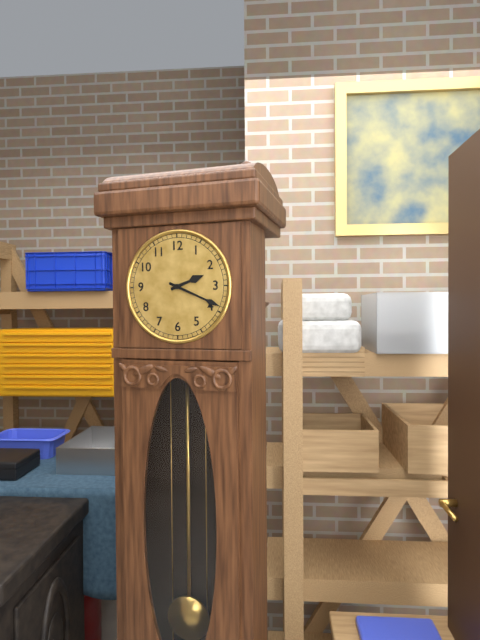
2:19
